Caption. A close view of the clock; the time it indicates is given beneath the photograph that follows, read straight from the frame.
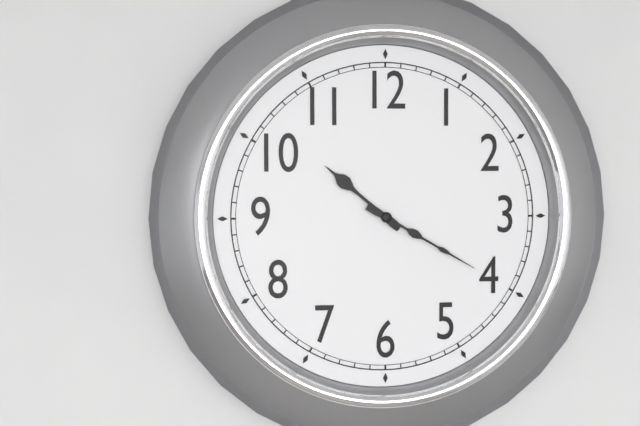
10:20
